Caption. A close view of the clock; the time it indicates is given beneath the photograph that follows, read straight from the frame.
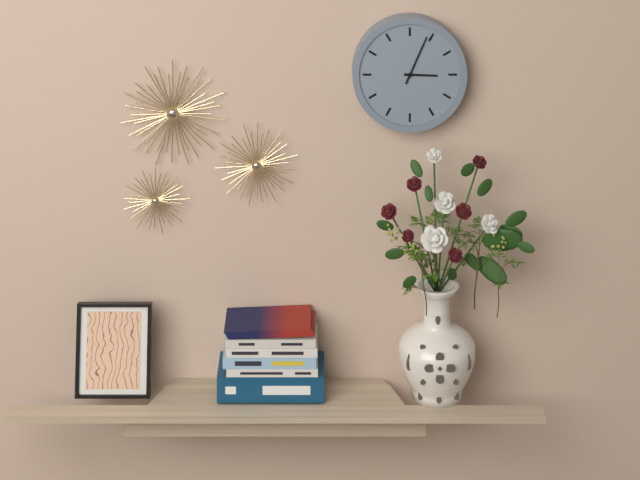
3:04
